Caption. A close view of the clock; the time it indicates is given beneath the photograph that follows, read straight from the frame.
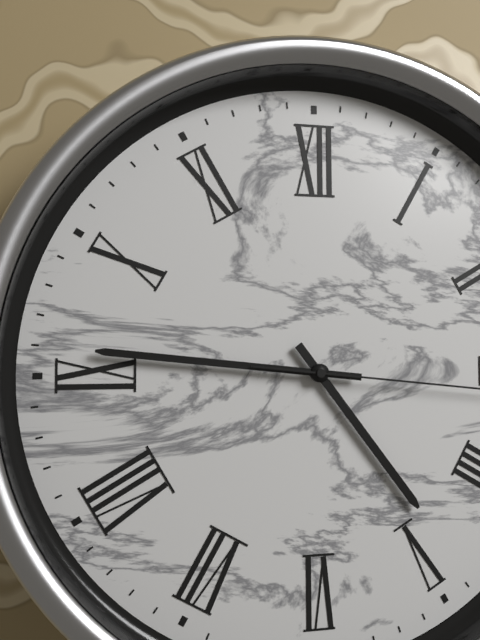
4:46
